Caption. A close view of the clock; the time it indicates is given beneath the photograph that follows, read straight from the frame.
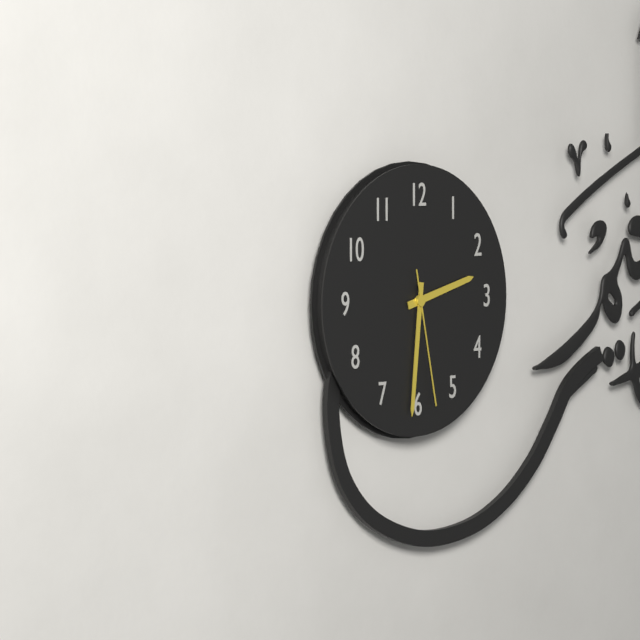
2:31:28
